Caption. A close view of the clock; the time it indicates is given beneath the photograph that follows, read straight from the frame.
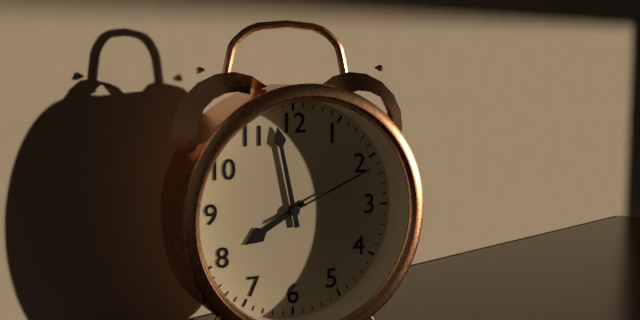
7:58:11
